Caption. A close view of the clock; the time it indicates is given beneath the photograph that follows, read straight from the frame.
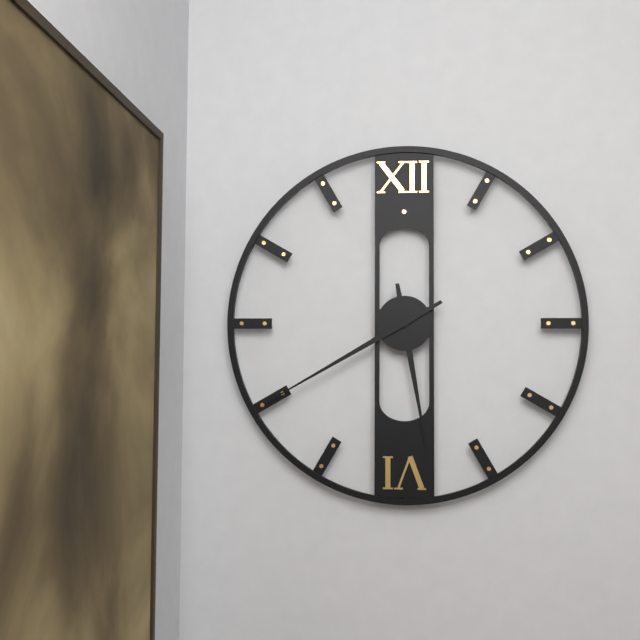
5:40
